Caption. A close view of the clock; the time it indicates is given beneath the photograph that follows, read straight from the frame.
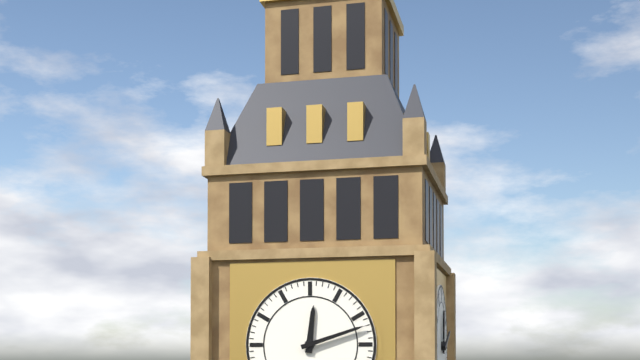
12:12
